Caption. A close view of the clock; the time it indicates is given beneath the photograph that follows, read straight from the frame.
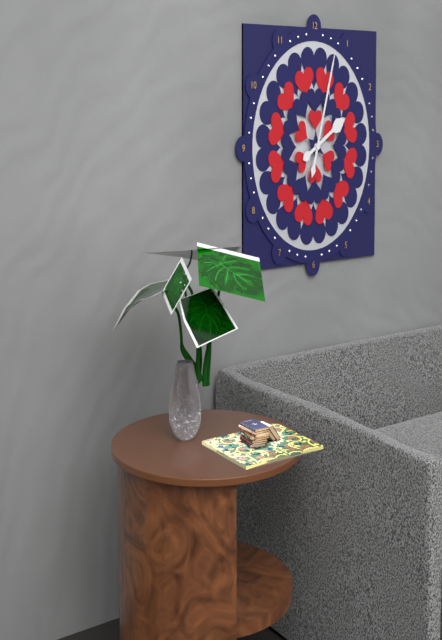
2:03
